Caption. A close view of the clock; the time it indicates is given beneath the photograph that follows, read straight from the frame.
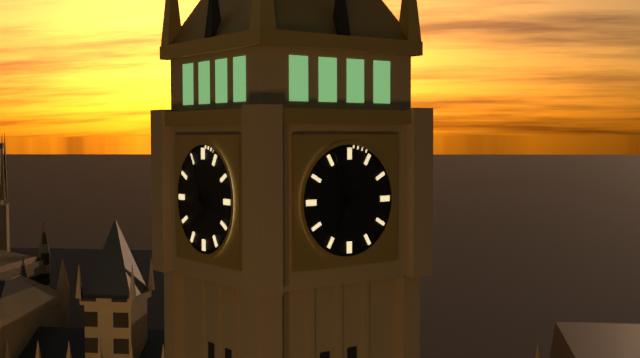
6:56
